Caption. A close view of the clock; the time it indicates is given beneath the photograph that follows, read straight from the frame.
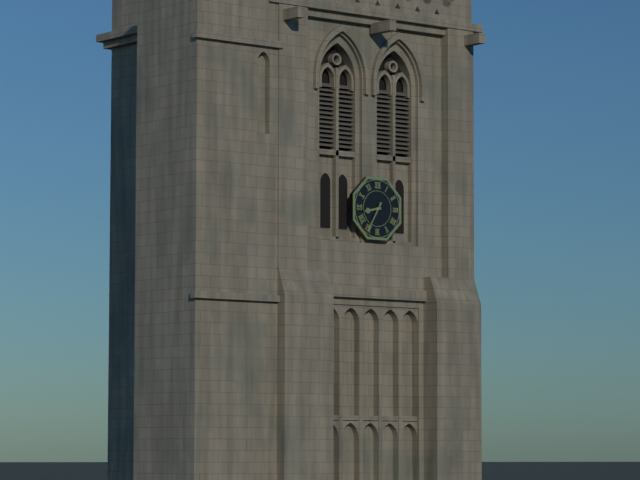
8:35
